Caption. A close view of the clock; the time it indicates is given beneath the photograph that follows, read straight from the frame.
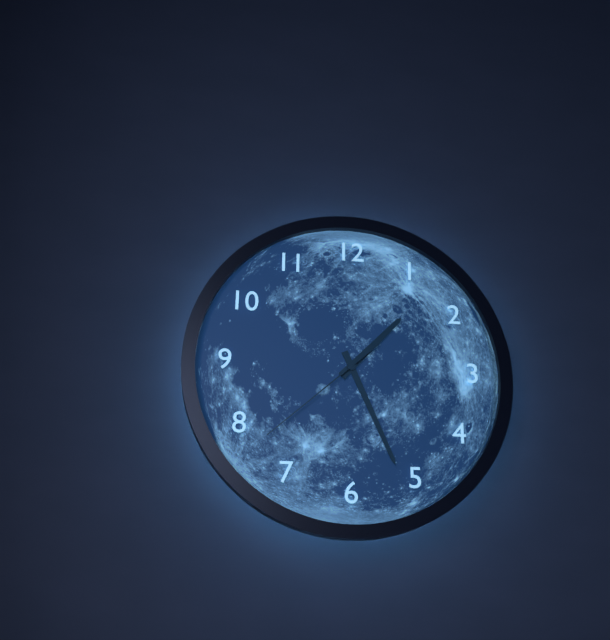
1:26:38
